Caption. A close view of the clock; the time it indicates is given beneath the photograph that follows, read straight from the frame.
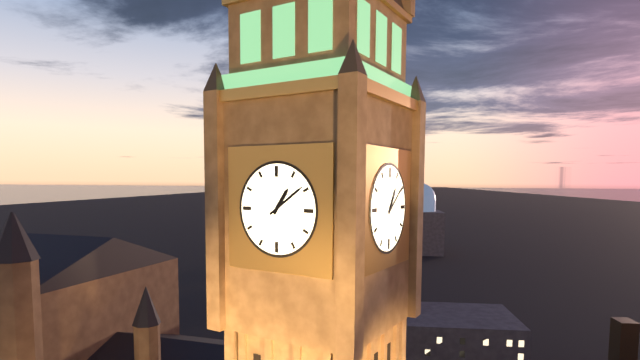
1:09
